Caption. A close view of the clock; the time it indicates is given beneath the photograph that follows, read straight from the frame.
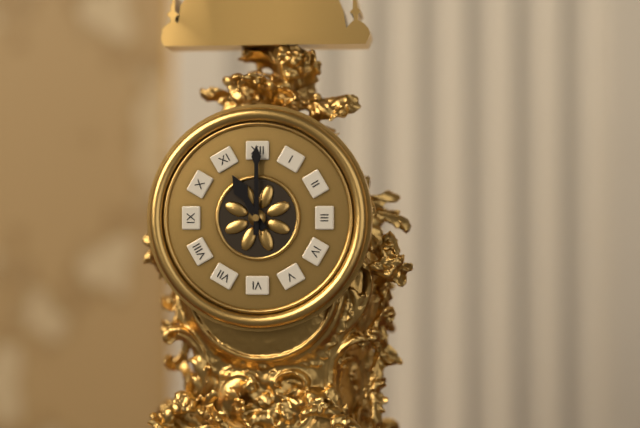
11:00
